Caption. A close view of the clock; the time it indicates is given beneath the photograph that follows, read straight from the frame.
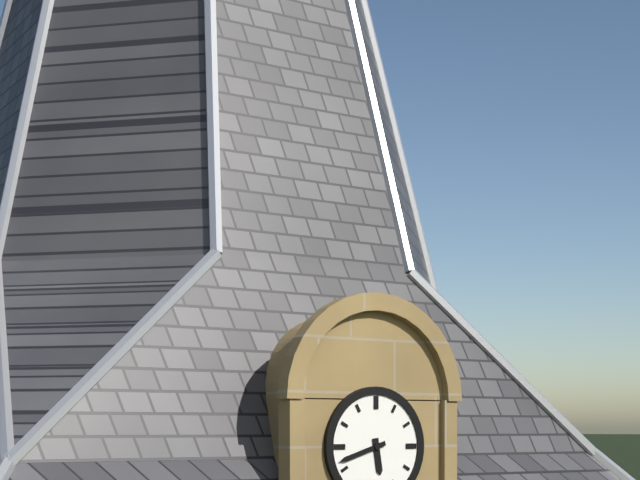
5:42
